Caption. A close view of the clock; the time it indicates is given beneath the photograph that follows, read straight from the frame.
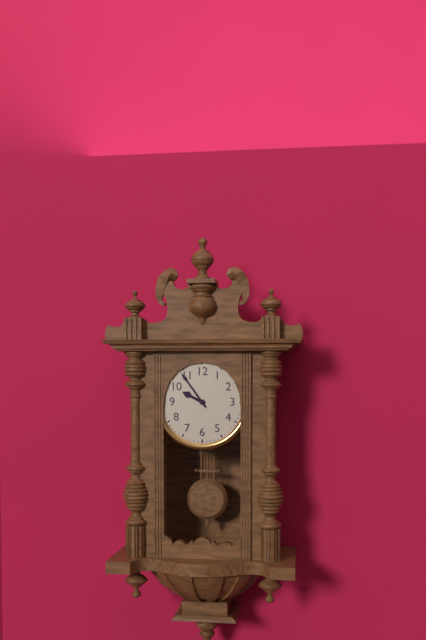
9:54
